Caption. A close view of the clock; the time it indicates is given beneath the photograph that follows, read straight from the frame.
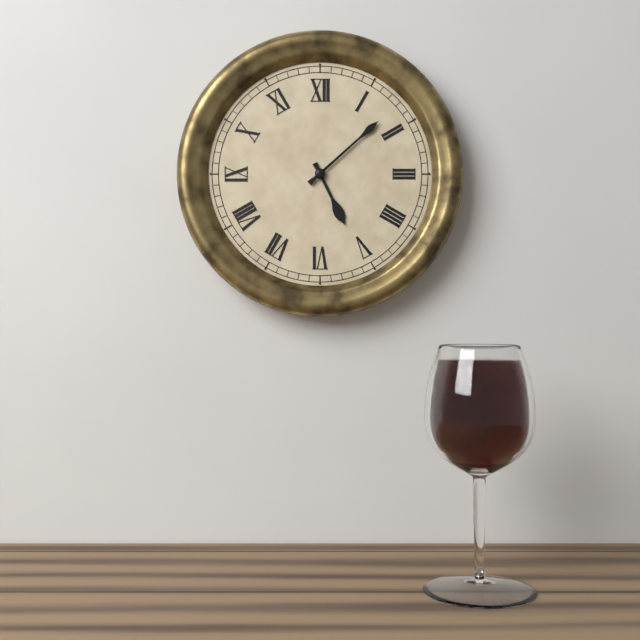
5:08
